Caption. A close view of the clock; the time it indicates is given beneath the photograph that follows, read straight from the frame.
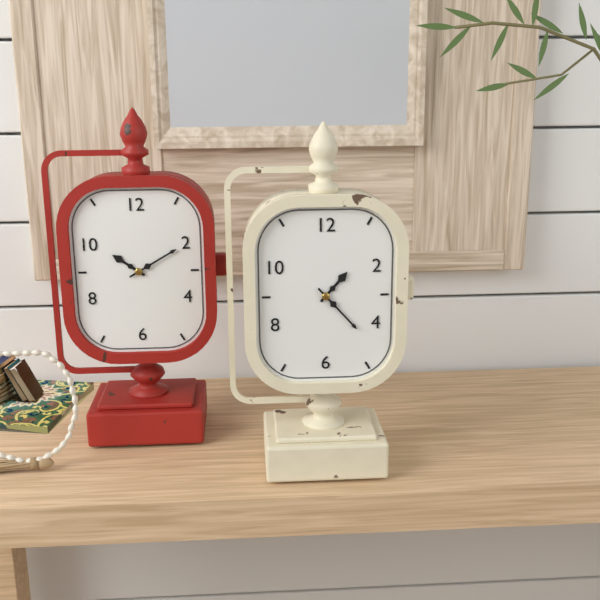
1:23
